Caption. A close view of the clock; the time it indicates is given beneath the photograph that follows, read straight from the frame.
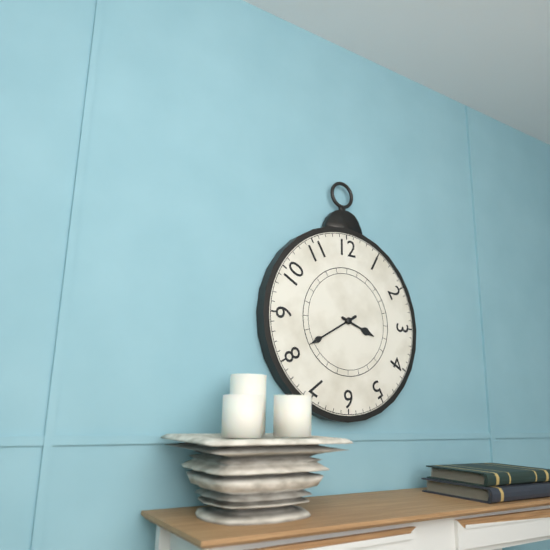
3:40
